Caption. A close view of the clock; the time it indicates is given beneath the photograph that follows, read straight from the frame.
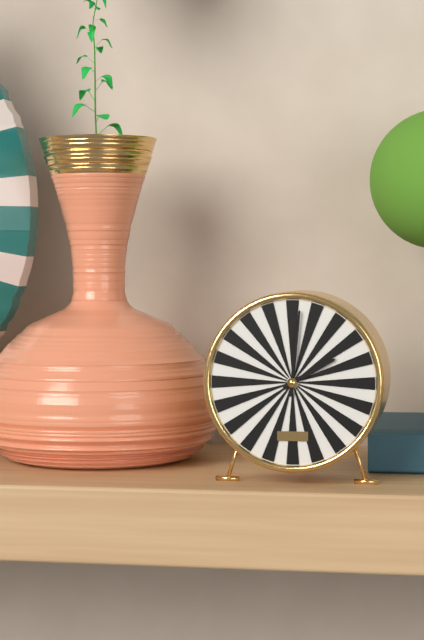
2:01
